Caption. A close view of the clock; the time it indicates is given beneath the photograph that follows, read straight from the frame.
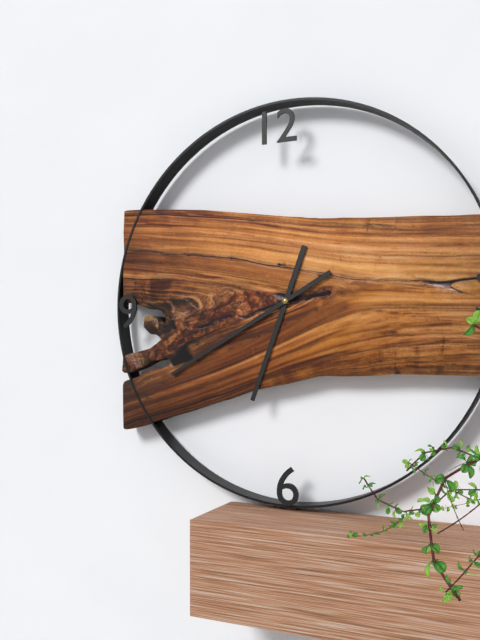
6:40
